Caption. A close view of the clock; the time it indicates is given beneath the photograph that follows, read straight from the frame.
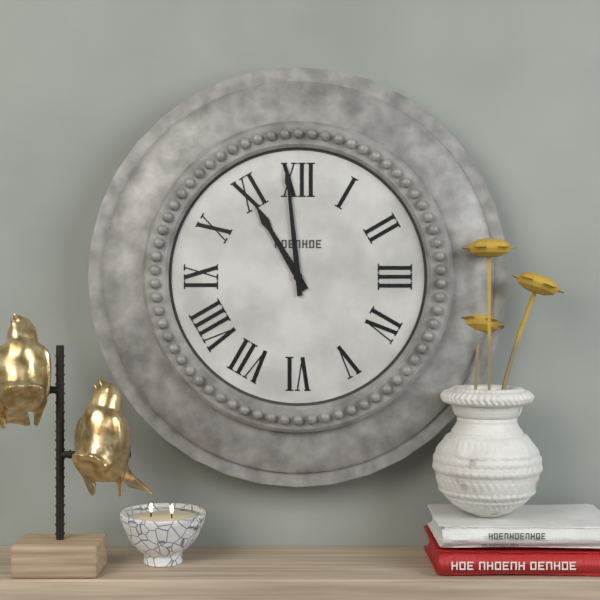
10:59
